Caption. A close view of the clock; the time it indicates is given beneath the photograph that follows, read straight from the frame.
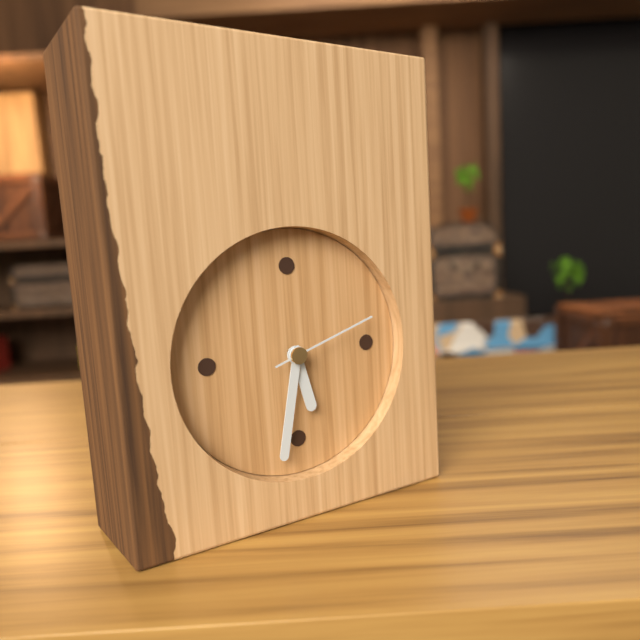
5:32:12
